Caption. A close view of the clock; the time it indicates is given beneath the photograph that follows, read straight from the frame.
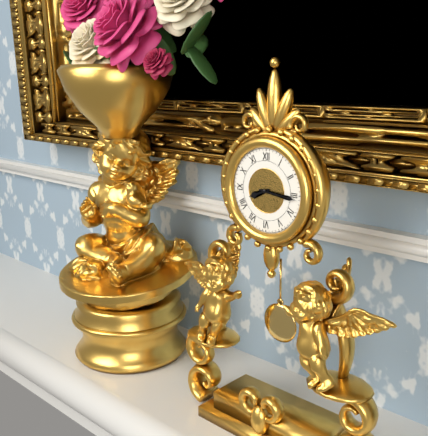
8:16
